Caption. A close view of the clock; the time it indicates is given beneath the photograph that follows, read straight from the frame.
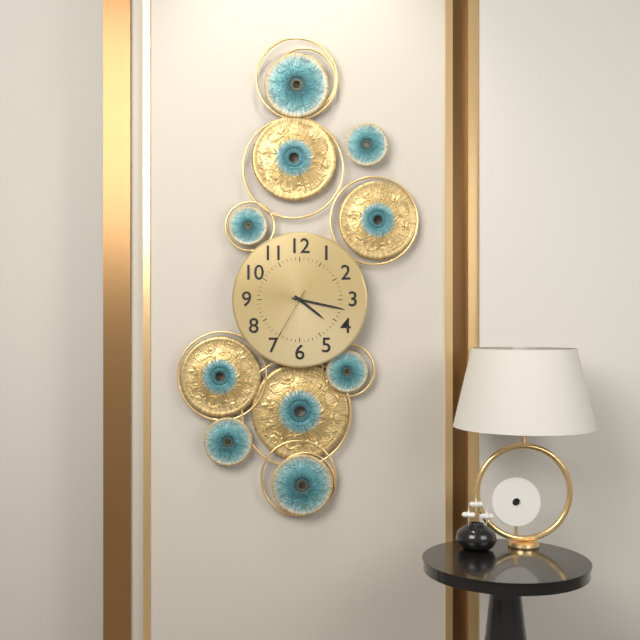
4:17:35
